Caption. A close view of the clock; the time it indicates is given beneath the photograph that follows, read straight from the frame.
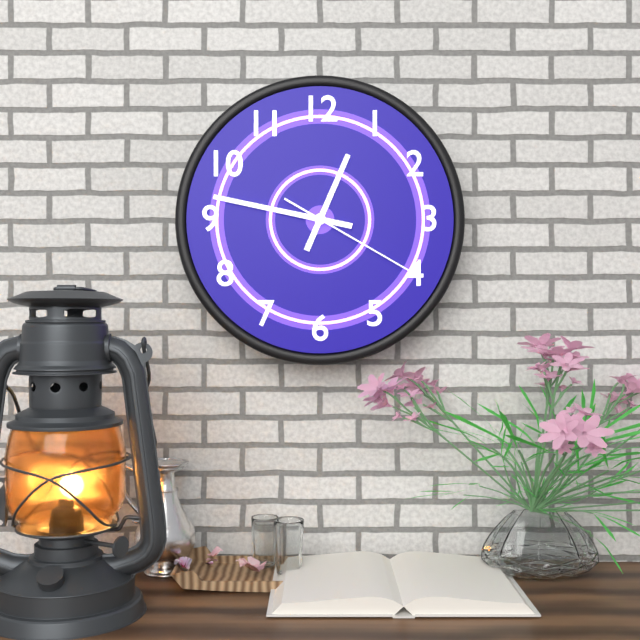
12:47:20
